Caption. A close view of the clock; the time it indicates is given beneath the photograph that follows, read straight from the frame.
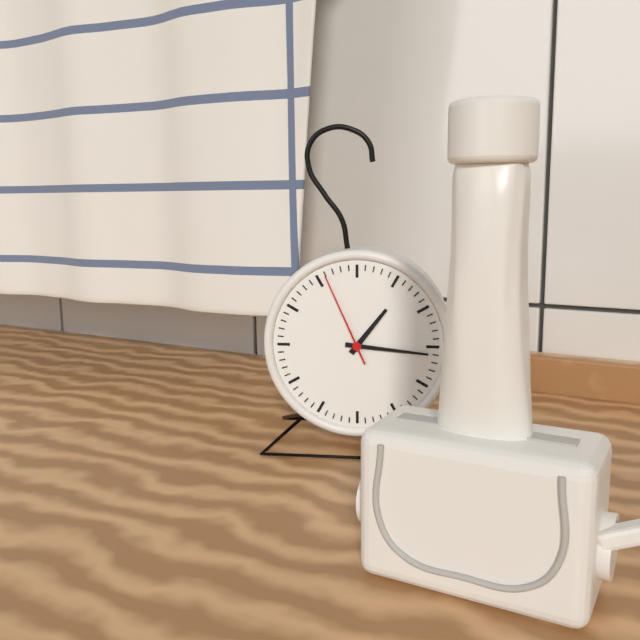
1:16:56
